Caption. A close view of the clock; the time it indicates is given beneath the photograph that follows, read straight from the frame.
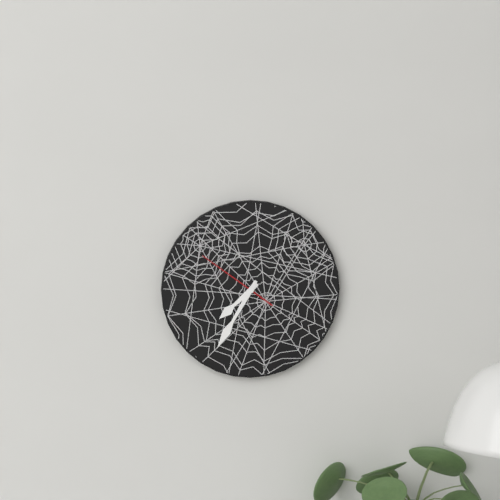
7:35:51
